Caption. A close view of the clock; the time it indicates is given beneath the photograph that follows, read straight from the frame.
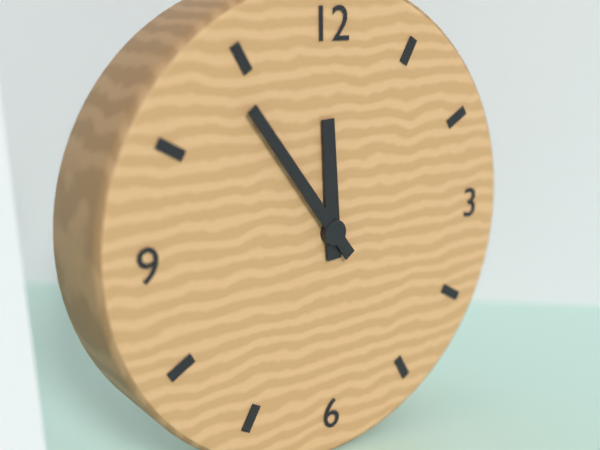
11:54
